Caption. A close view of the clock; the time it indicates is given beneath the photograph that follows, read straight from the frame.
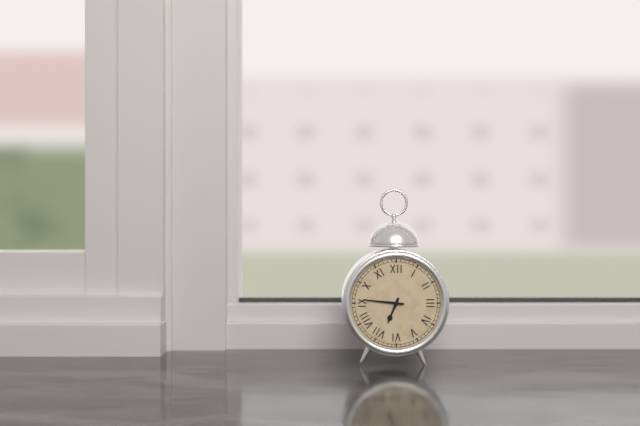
6:46
